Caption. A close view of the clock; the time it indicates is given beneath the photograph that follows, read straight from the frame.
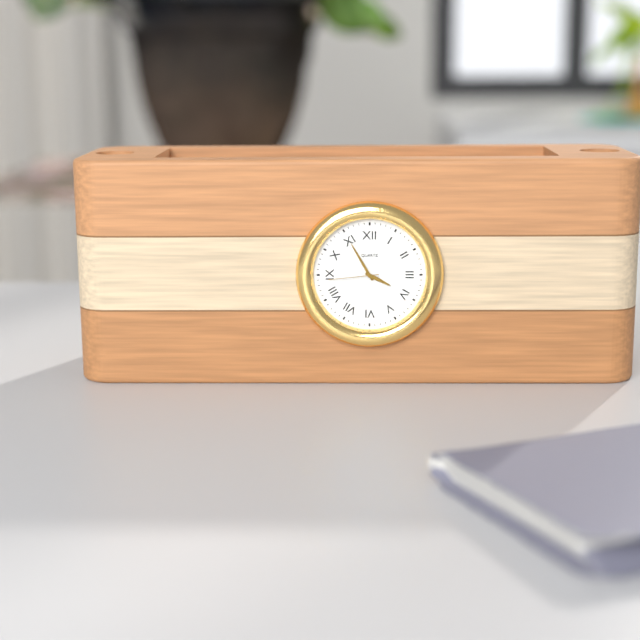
3:55:44
